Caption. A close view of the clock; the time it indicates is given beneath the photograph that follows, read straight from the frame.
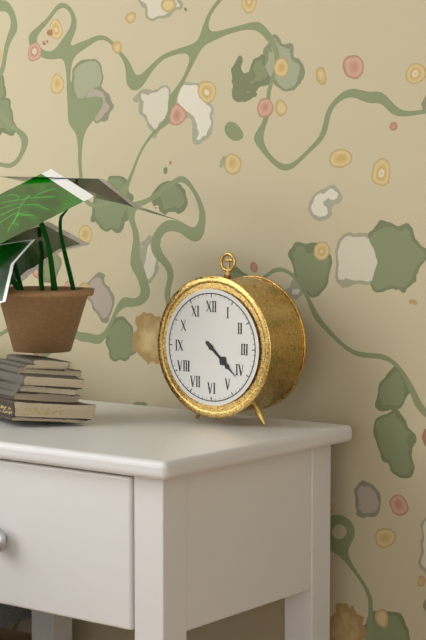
4:22
